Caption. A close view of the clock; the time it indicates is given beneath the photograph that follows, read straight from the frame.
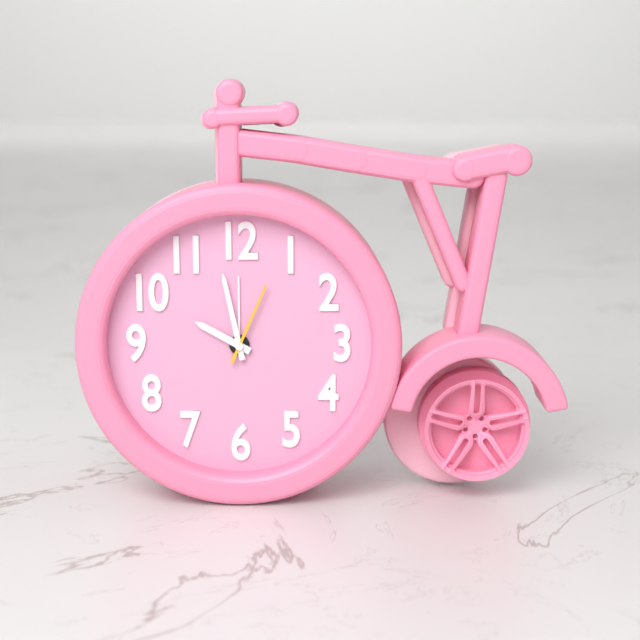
9:58:04
